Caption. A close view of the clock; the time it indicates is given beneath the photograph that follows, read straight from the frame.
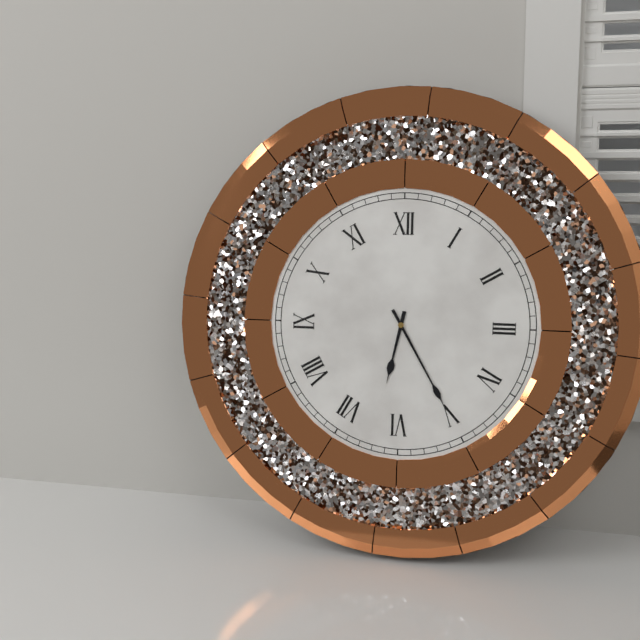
6:25
